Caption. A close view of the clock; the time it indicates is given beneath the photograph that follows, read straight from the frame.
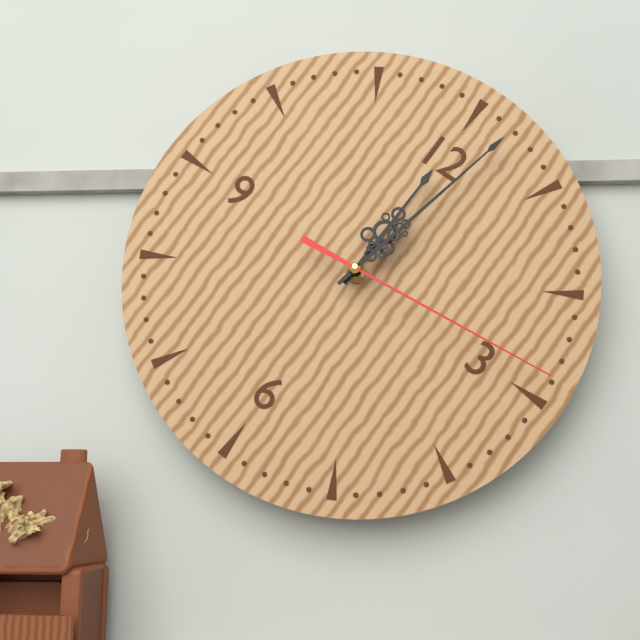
12:02:14
